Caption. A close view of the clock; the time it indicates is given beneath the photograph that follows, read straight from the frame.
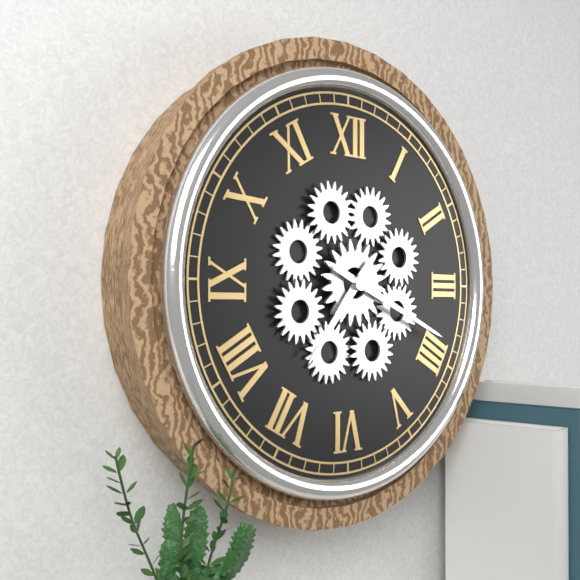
7:19
